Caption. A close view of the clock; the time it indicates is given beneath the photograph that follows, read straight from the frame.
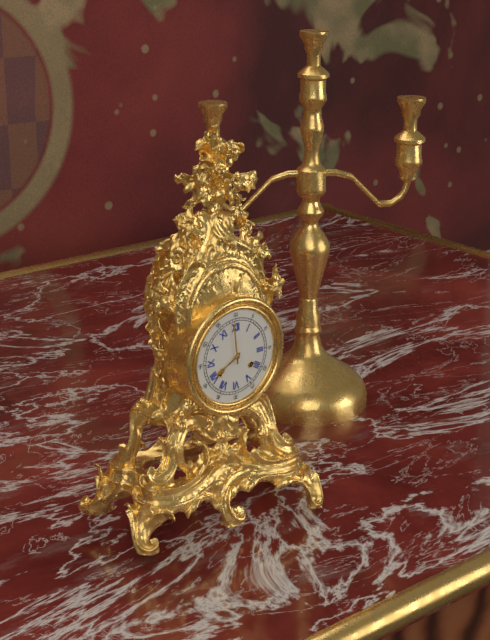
7:59
